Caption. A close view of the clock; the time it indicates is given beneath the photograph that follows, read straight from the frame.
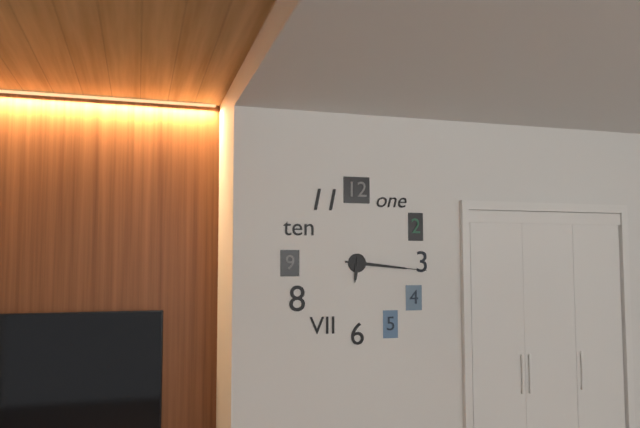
6:16:16
